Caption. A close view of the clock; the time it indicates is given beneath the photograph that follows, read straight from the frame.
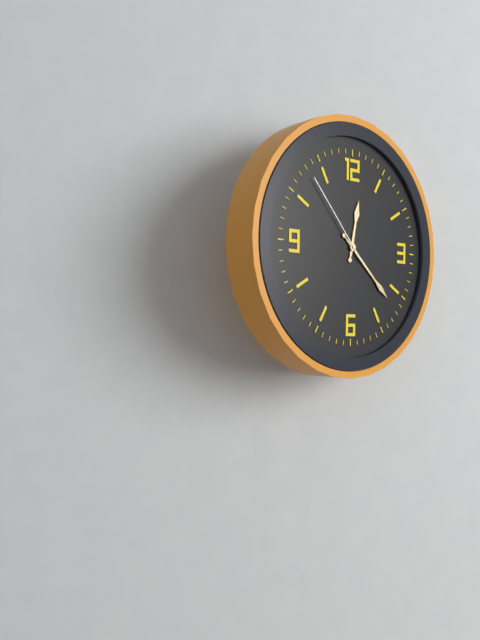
12:22:53
